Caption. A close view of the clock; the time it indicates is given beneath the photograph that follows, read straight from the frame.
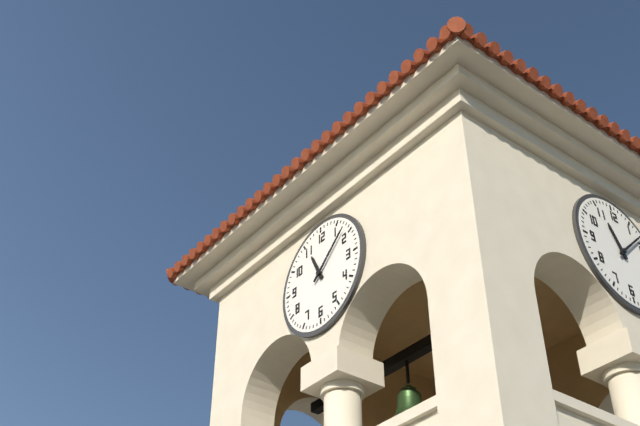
11:08
